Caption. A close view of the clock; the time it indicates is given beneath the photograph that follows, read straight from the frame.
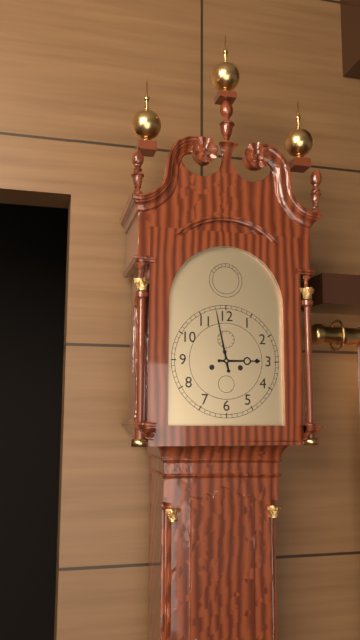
2:58
